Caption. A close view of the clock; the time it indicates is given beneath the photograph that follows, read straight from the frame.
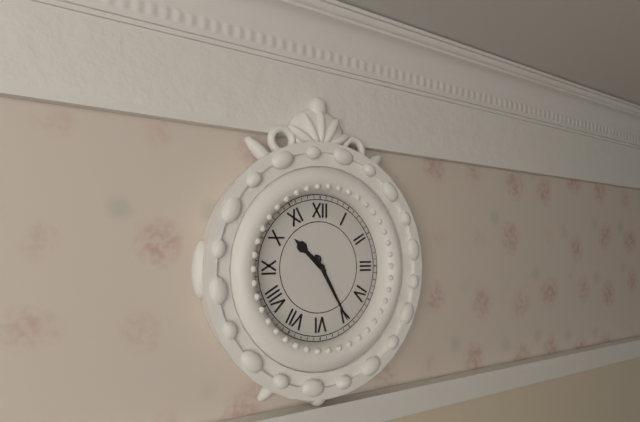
10:25
